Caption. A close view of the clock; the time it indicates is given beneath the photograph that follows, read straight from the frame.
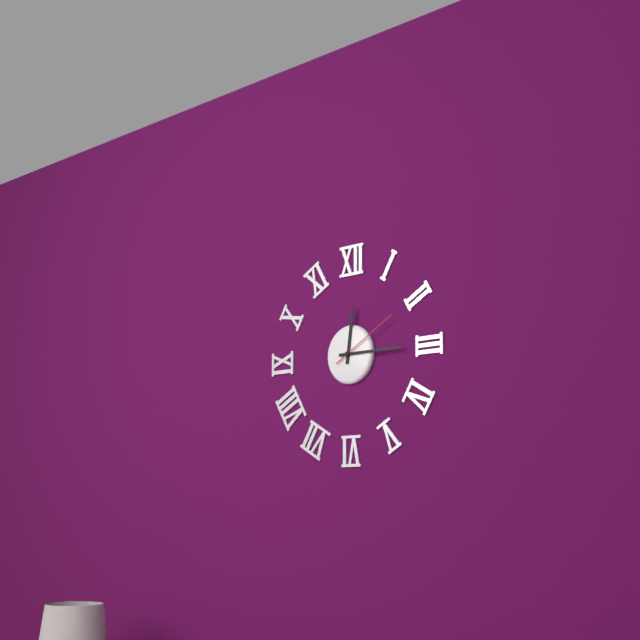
12:15:10
